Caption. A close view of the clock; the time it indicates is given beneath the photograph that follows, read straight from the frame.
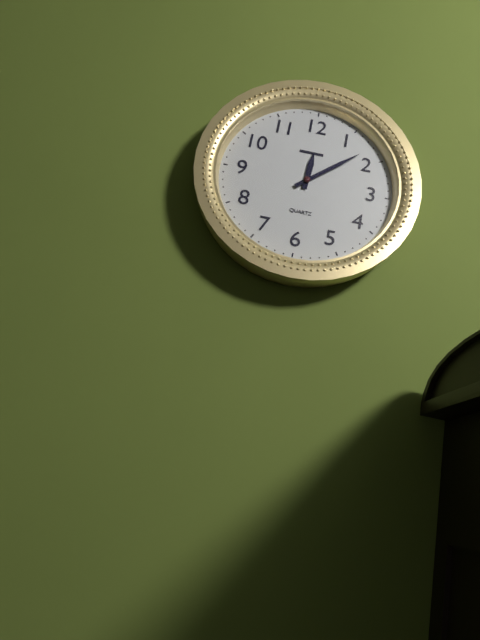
12:08
